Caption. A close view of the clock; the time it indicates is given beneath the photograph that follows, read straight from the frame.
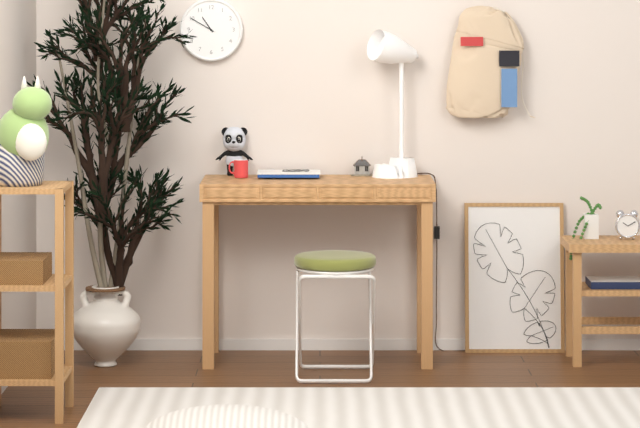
10:50
